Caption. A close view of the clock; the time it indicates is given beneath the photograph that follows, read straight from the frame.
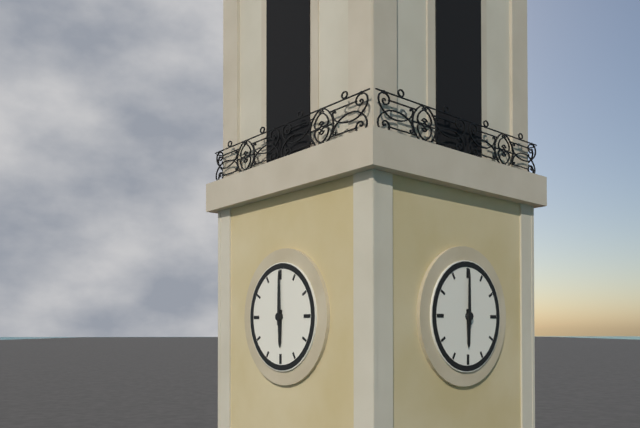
6:00
